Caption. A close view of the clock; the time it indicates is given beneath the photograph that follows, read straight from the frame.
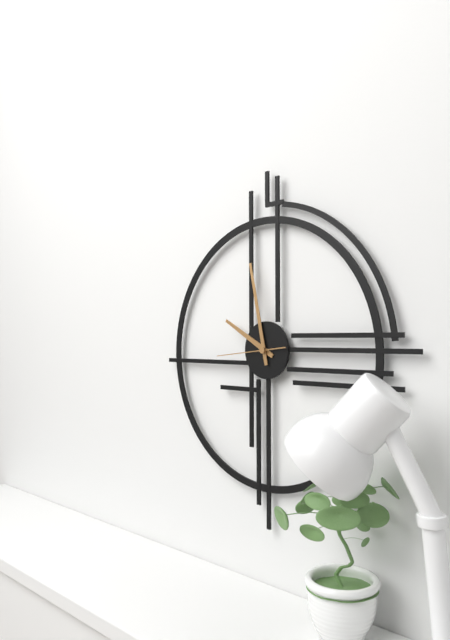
9:58:44
